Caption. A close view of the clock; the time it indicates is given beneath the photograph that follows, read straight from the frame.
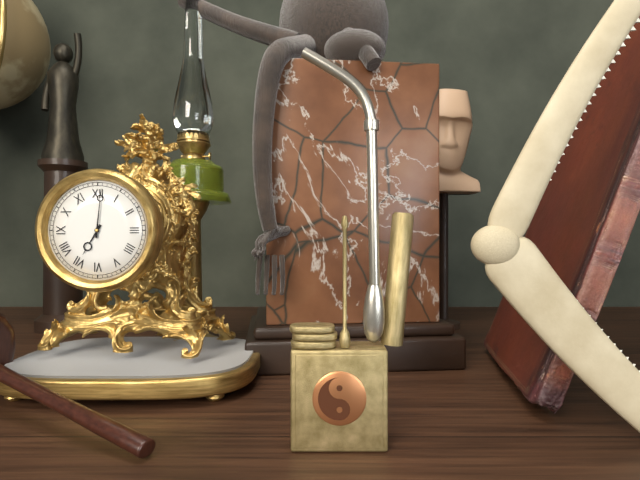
7:01
